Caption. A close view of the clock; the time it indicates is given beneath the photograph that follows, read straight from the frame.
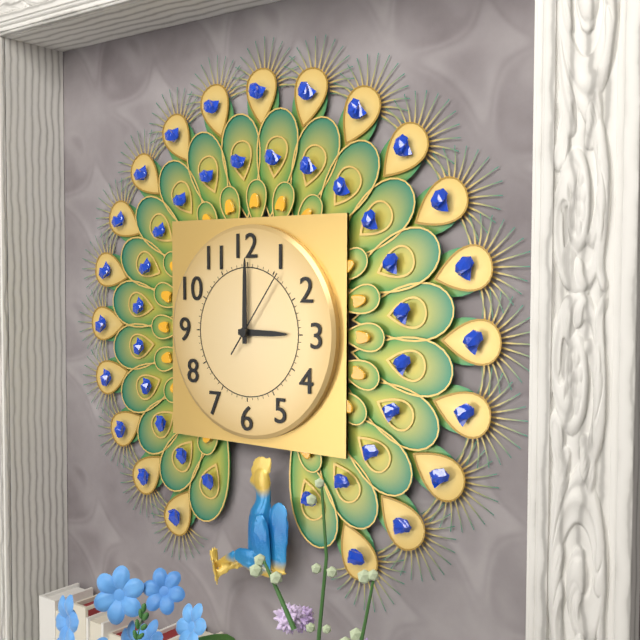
3:00:06
